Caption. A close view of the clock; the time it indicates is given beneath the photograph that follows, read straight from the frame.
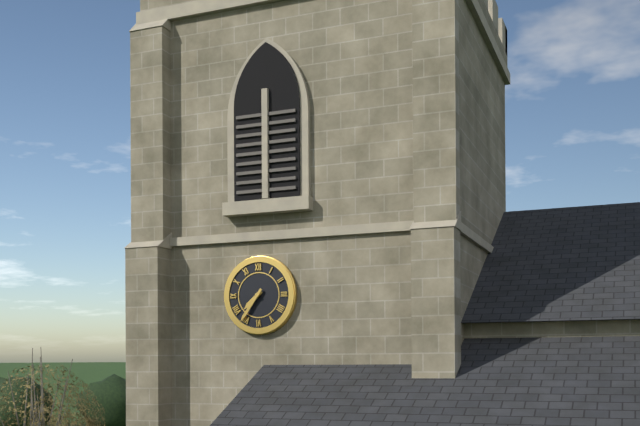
7:36
